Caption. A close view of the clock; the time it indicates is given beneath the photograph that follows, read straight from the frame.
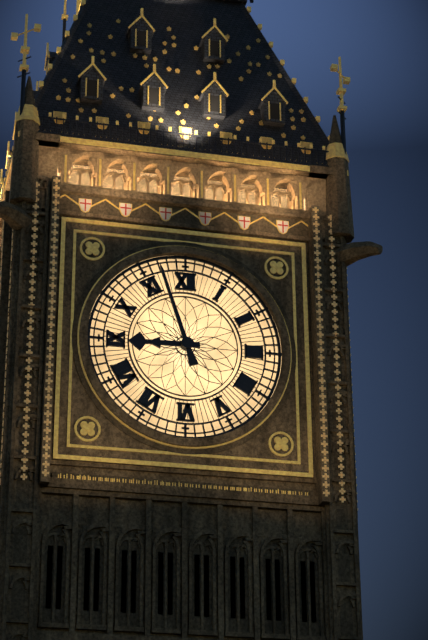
8:57
